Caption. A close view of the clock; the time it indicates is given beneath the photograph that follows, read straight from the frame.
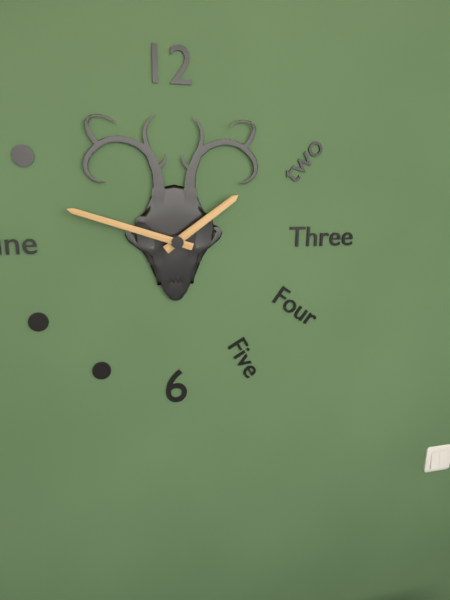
1:48
